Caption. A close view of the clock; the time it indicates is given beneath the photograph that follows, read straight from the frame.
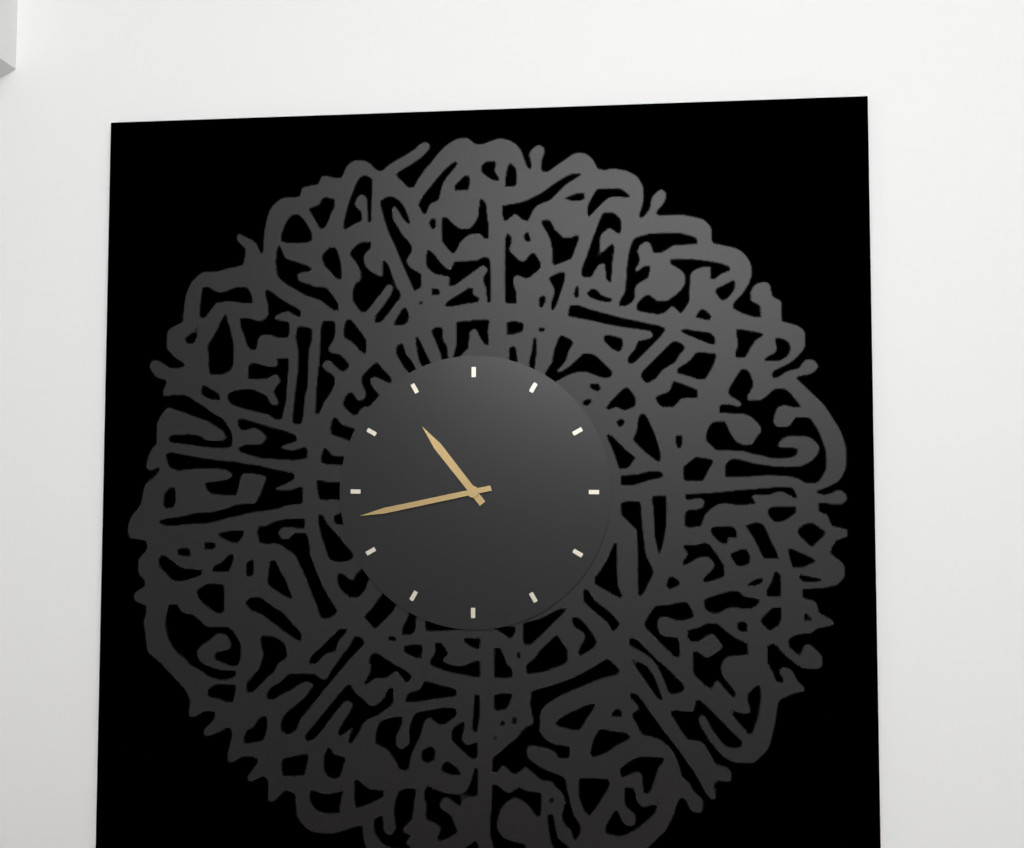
10:43
